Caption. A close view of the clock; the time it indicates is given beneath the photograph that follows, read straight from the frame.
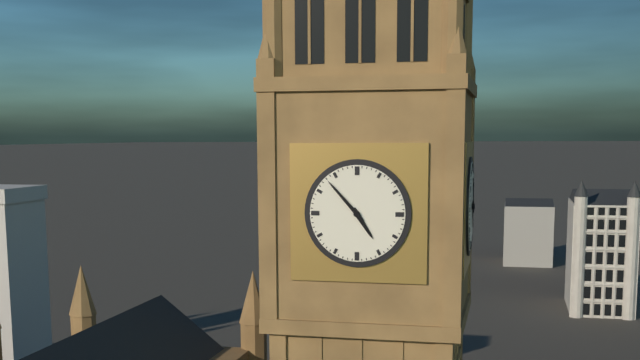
4:53
